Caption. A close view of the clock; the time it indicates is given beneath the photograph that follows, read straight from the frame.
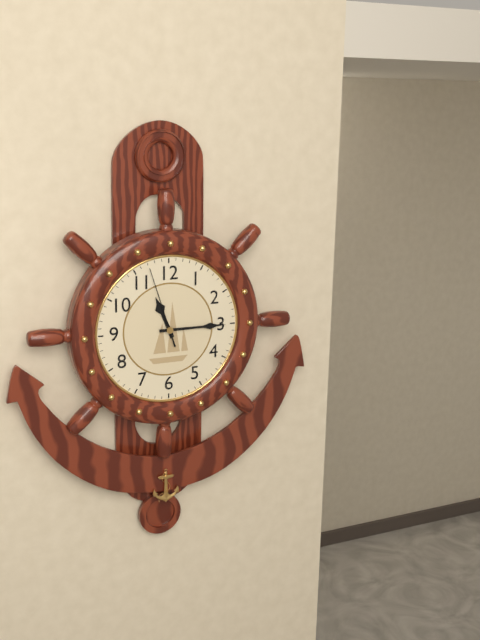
11:15:57
